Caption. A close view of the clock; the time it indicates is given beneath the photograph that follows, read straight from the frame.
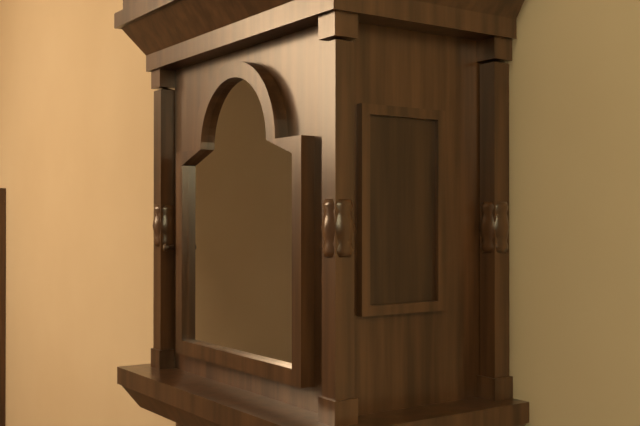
3:41
